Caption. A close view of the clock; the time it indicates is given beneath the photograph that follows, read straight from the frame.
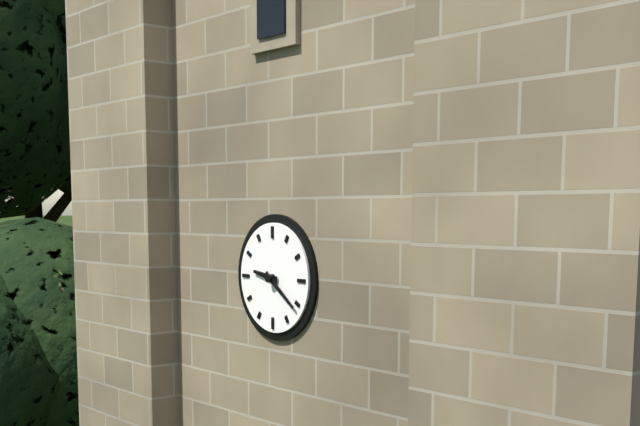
9:21
